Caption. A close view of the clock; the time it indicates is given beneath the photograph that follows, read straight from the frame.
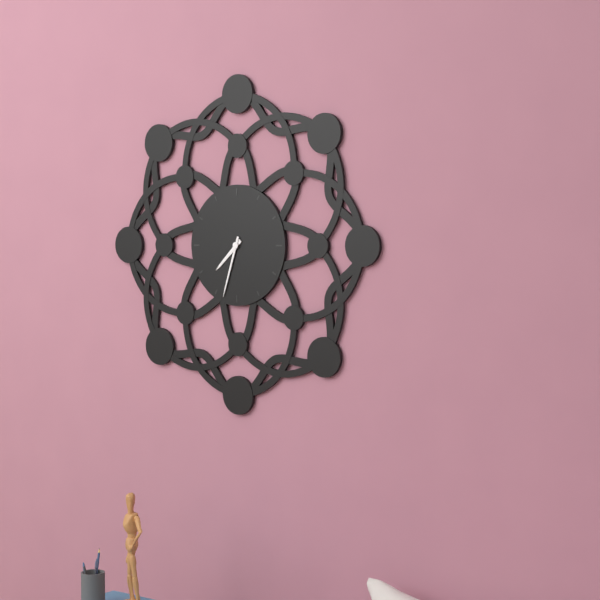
7:33
